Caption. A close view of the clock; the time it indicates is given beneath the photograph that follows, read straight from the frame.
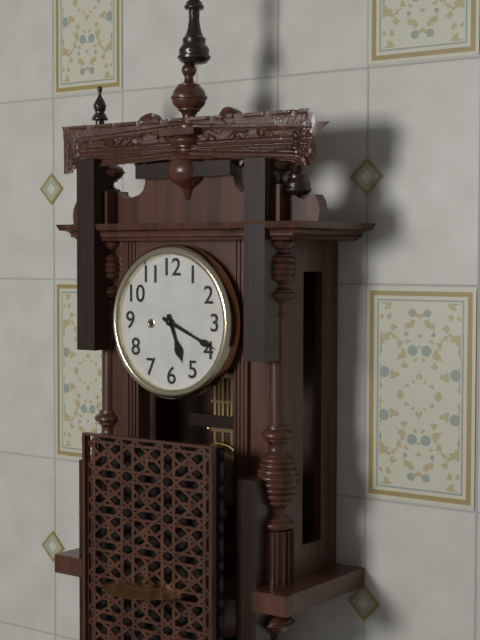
5:19
